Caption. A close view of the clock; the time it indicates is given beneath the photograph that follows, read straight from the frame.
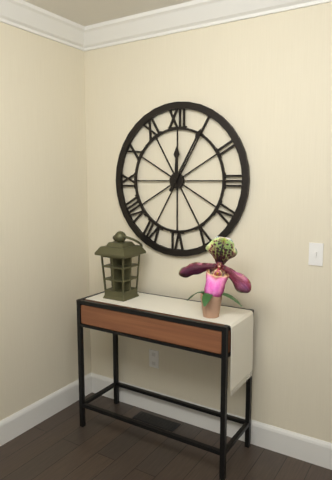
12:05
